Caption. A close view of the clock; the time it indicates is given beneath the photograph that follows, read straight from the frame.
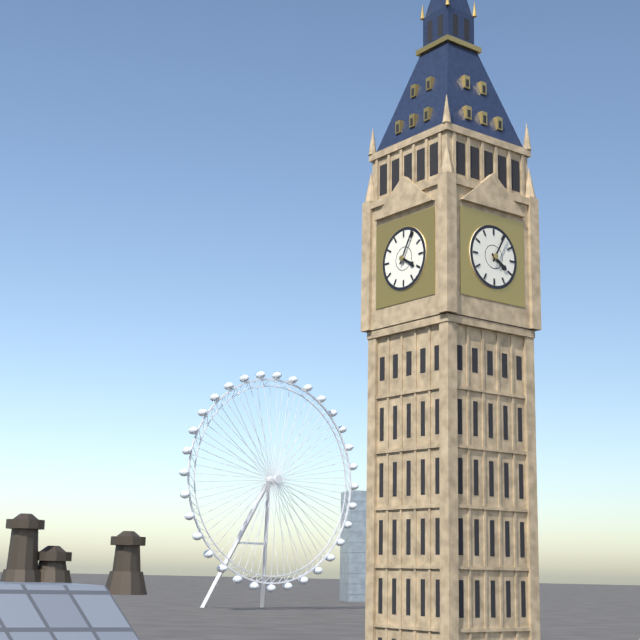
4:05
